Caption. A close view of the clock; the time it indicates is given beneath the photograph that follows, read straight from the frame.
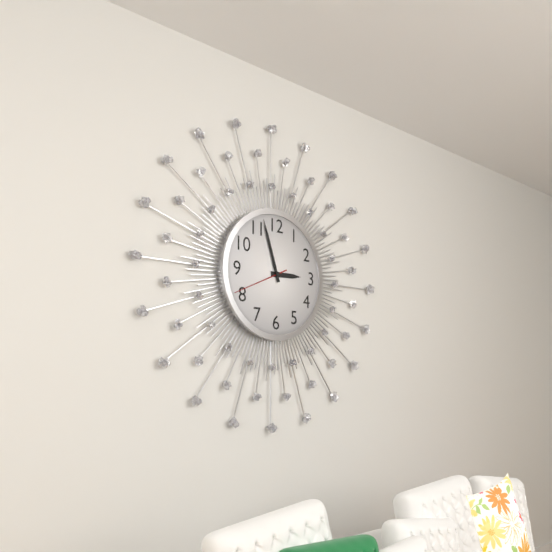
2:57:41
